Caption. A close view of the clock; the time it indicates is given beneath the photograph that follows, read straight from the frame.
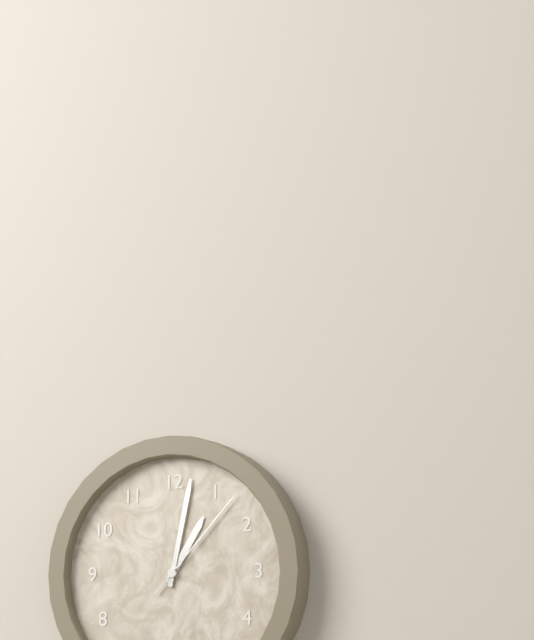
1:02:07
